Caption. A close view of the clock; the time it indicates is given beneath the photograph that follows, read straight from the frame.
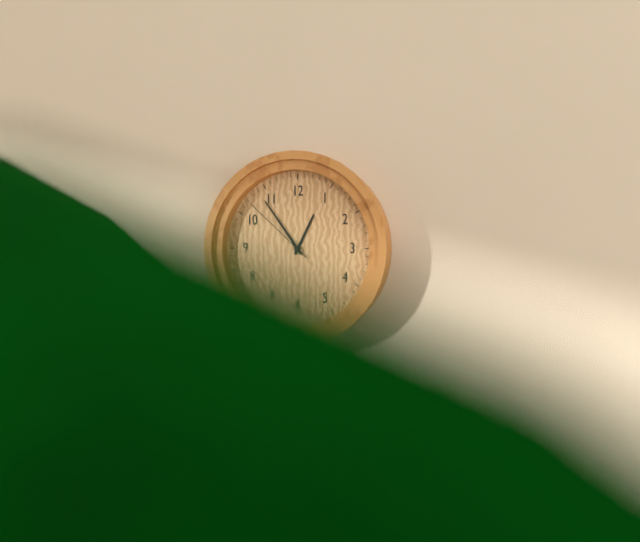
12:54:52
